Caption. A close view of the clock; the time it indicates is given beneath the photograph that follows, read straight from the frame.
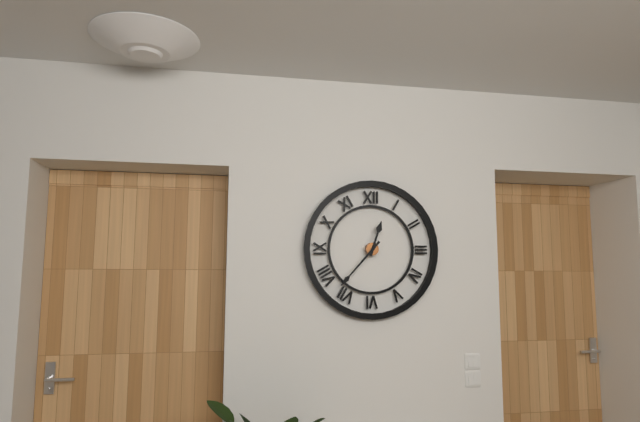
12:37
